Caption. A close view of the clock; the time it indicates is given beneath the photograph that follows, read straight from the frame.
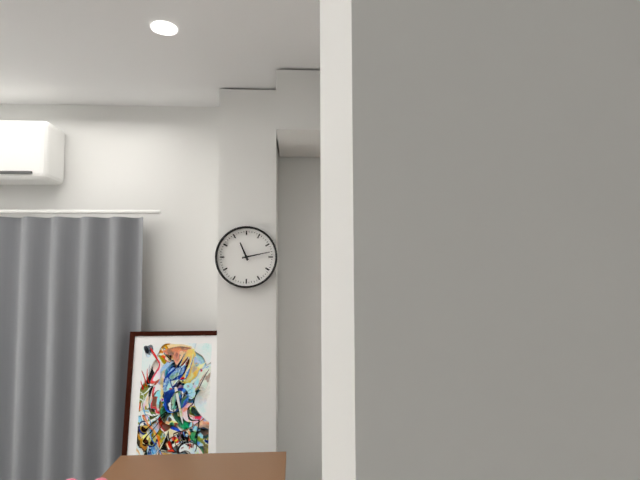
11:13
